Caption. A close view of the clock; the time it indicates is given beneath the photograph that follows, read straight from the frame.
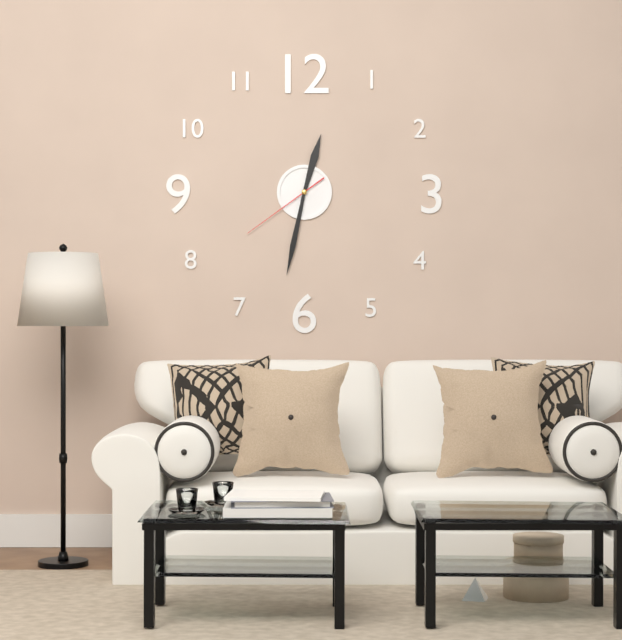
12:32:39
